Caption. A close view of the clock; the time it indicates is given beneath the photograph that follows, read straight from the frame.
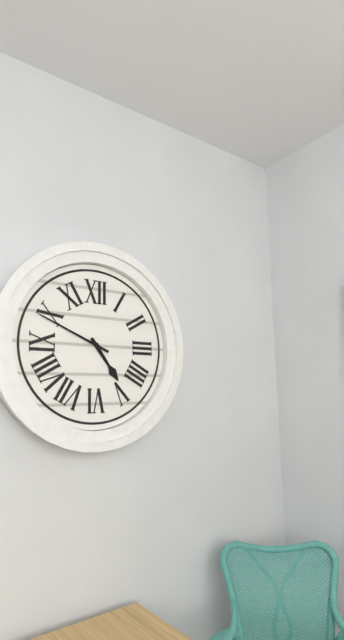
4:49
